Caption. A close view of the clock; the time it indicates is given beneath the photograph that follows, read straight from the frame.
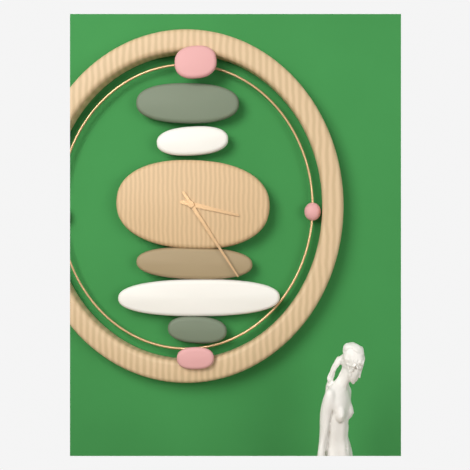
3:24
